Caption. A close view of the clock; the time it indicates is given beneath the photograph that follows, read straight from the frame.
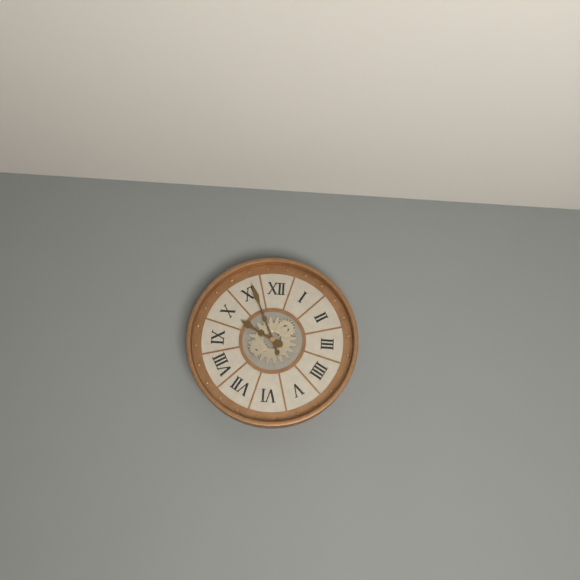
9:56
